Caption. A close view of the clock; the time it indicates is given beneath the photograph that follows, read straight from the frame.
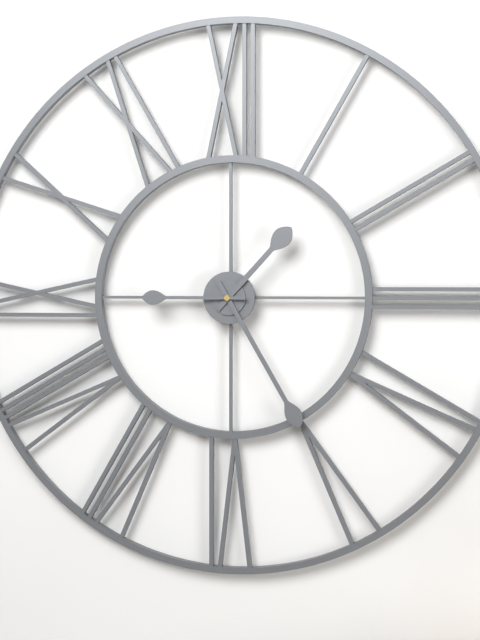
1:25:45
